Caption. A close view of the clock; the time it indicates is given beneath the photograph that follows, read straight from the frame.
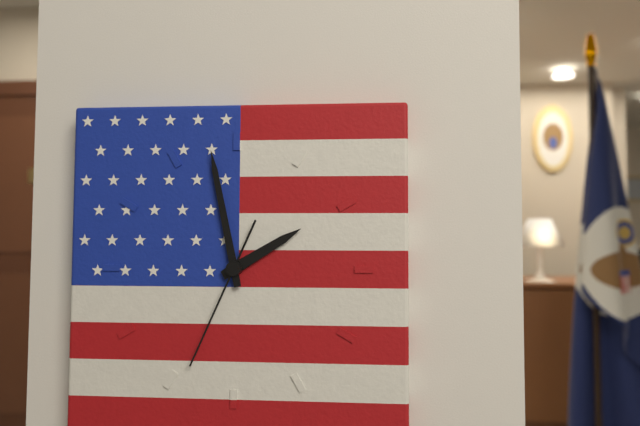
1:58:34
